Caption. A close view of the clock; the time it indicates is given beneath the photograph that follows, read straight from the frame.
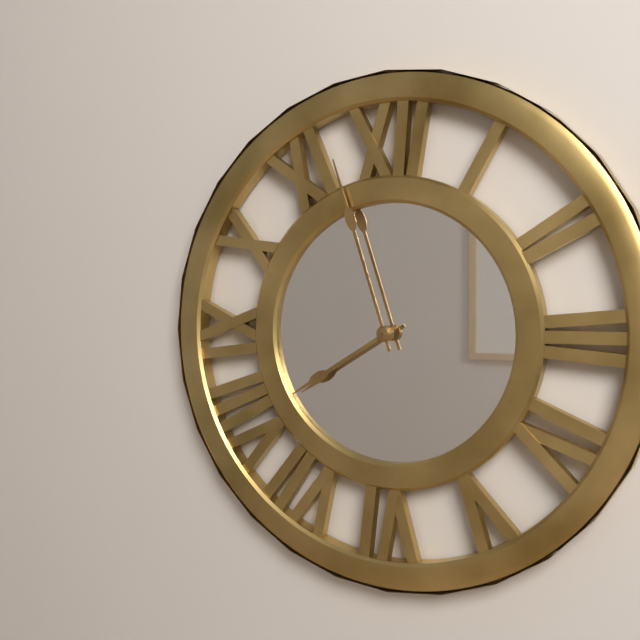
7:57
